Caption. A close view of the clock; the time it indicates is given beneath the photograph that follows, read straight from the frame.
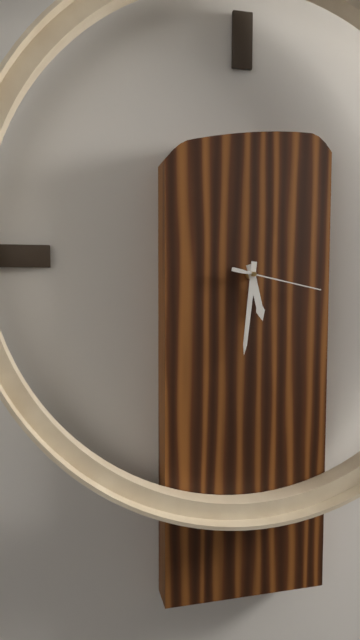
5:31:17
